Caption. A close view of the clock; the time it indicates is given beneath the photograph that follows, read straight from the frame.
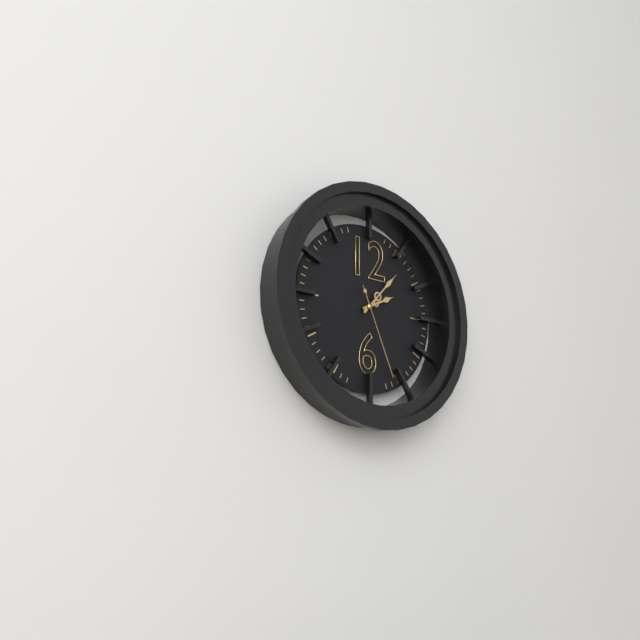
2:07:26
